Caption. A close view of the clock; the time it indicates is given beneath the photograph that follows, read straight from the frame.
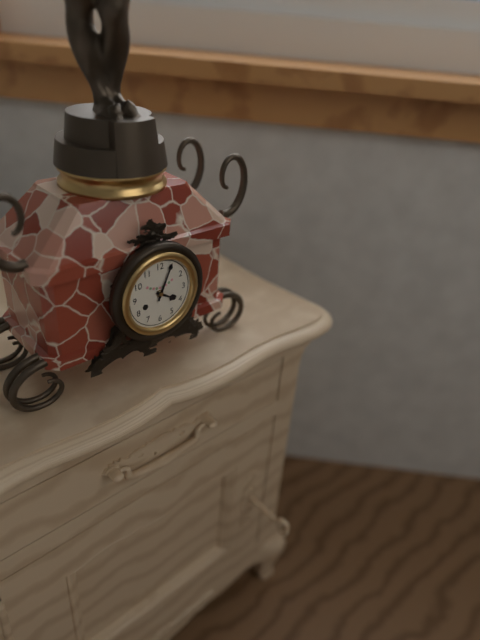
4:04
